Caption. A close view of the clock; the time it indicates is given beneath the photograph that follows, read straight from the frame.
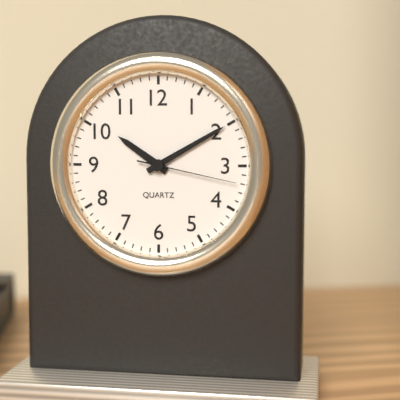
10:10:17
